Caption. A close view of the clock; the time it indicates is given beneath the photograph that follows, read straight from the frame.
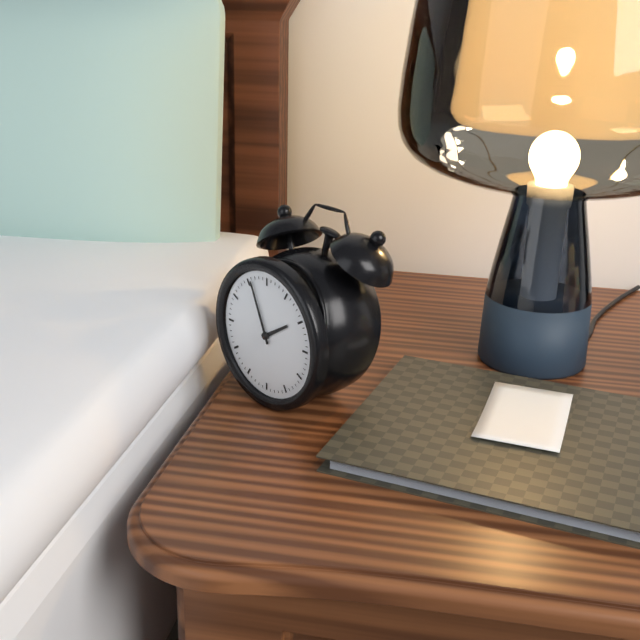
1:56
